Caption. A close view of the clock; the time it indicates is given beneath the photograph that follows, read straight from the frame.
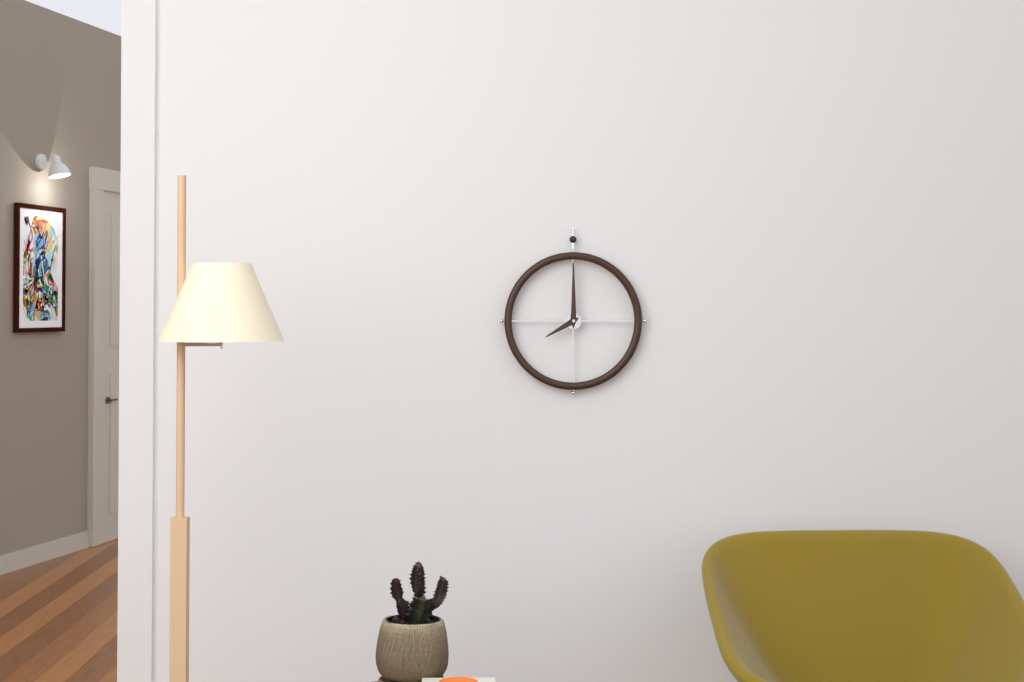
8:00
